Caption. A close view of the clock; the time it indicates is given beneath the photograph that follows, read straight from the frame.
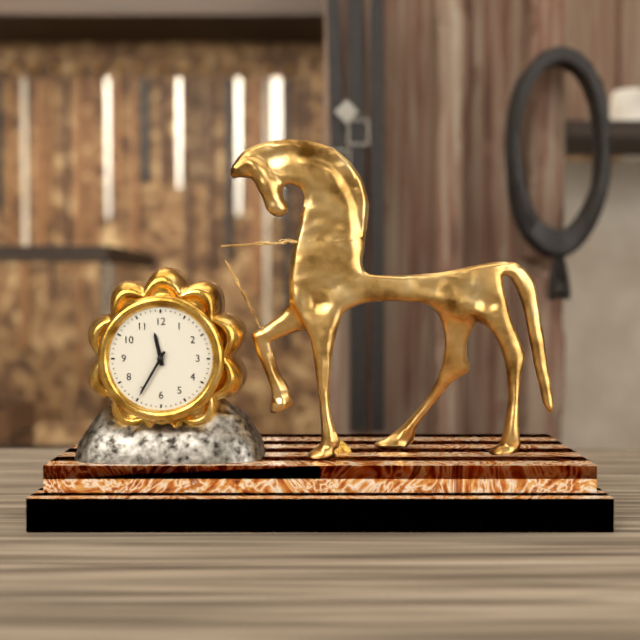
11:35
